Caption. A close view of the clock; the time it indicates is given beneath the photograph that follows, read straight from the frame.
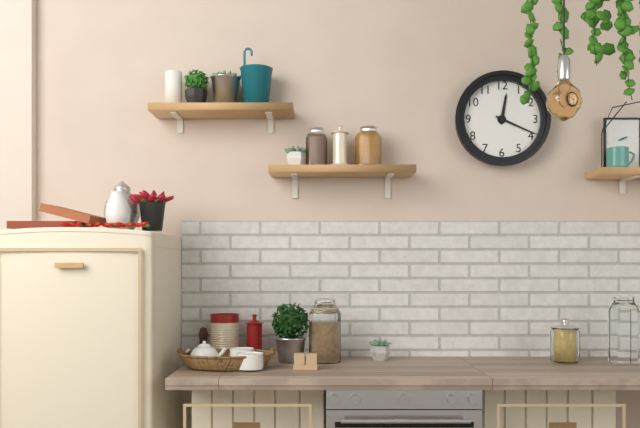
12:19
